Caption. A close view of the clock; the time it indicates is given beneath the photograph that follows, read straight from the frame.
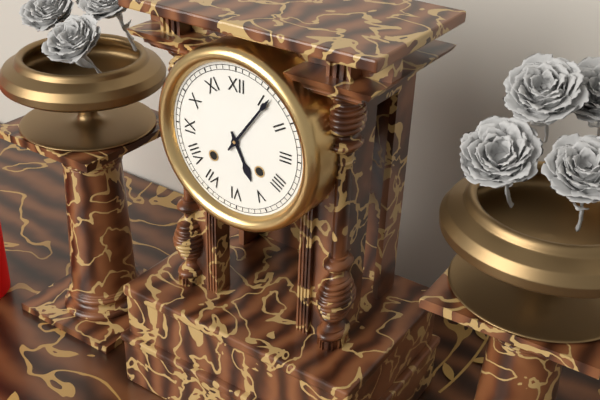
5:06
